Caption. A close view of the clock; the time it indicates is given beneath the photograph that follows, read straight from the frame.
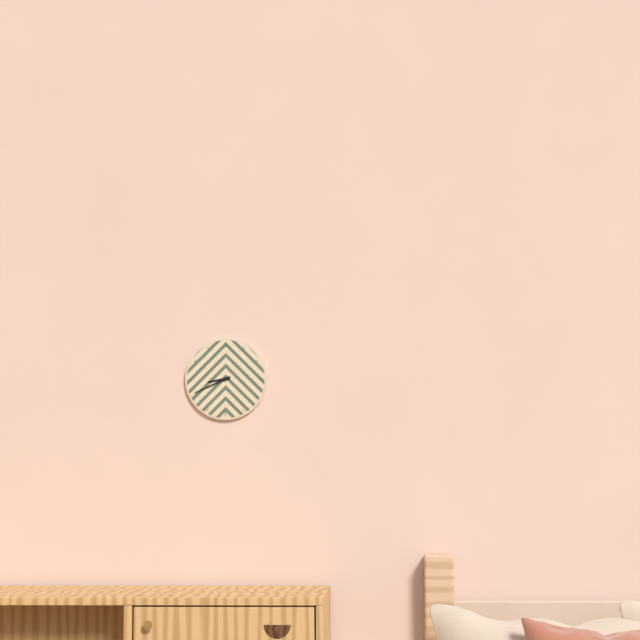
8:41
